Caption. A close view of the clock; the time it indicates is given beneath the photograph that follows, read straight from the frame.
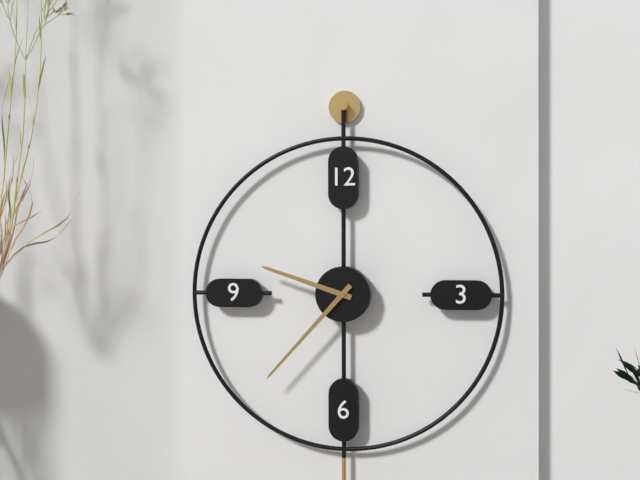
9:37
